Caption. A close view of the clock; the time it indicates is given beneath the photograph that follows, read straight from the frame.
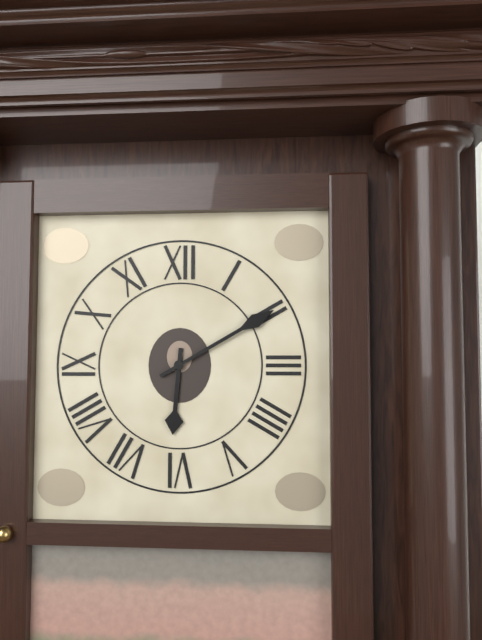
6:10
